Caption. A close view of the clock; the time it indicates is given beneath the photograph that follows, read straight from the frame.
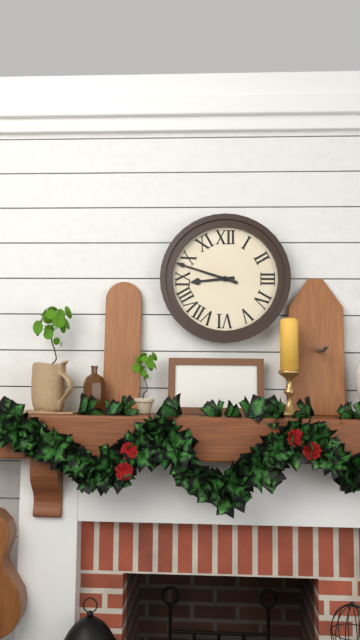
8:48
